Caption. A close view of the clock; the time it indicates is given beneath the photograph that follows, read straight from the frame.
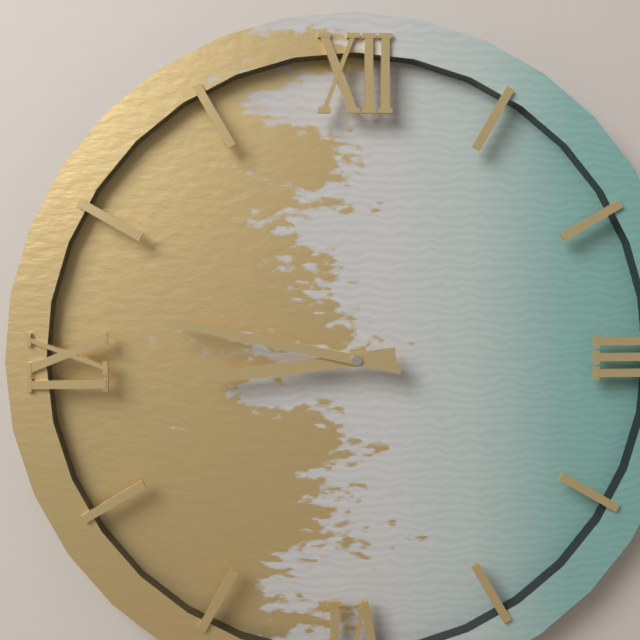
8:47
